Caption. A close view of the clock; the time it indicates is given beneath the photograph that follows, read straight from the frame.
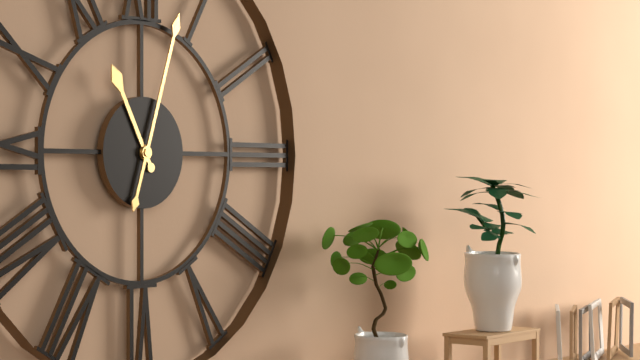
11:03
